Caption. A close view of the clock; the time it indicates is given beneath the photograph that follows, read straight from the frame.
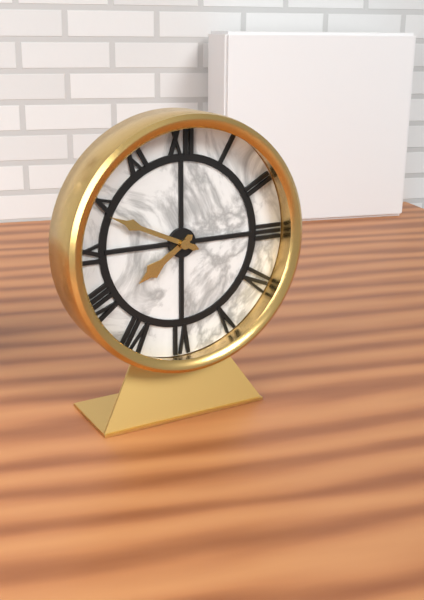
7:49
